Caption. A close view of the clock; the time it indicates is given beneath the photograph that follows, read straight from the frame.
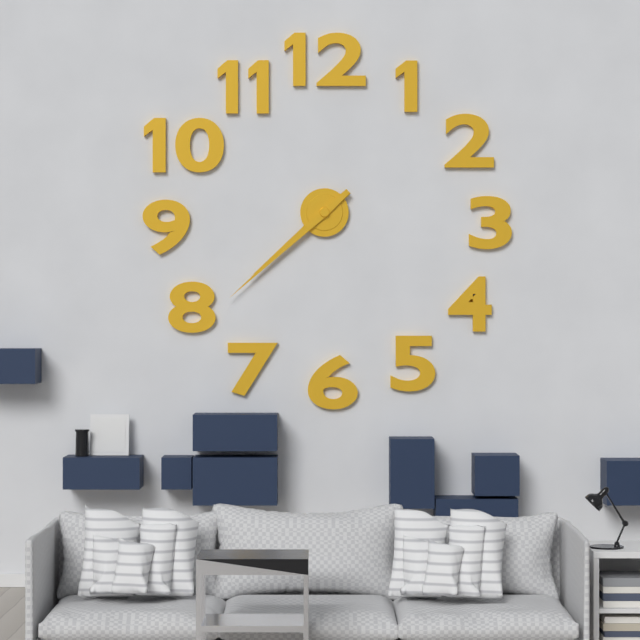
7:38
